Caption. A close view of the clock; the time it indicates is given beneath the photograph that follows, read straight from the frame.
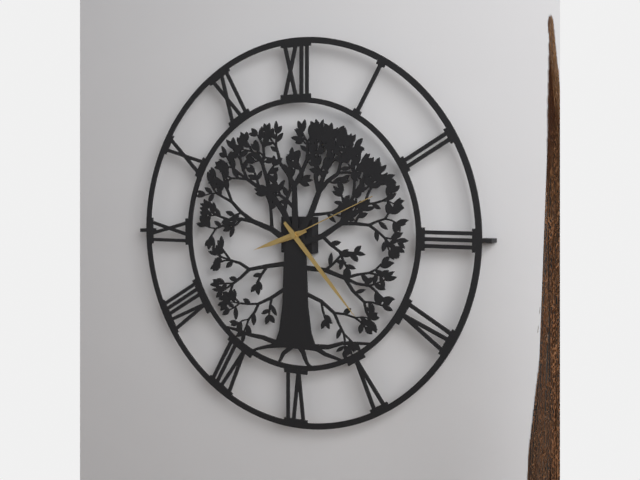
8:23:11
